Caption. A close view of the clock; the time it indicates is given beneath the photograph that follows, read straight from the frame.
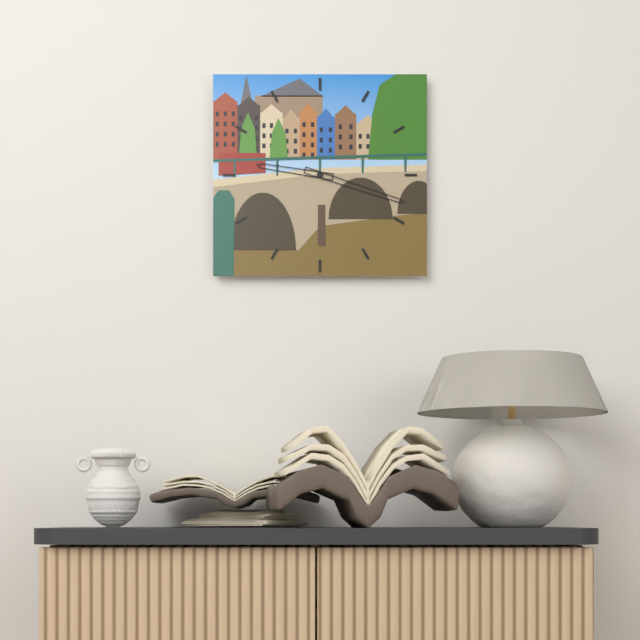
9:18
